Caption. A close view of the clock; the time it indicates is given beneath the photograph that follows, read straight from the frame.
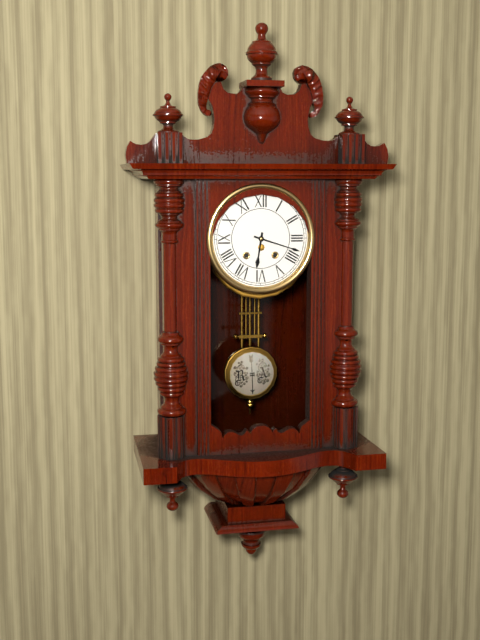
6:18
